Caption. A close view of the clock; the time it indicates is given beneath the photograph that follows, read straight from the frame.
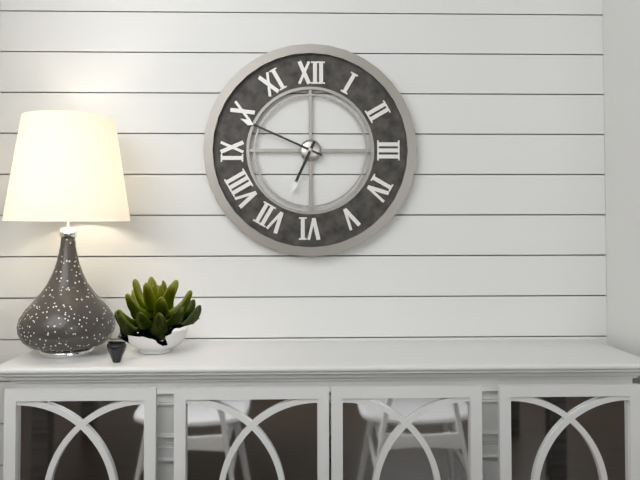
6:49
